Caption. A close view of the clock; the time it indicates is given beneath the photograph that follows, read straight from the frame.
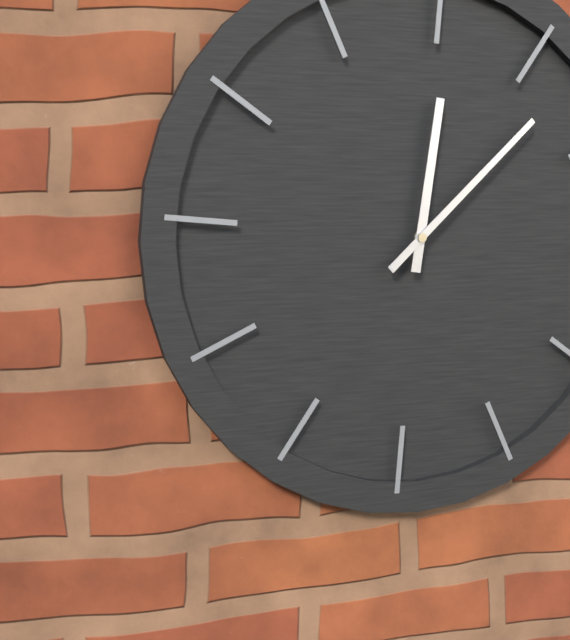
12:07
